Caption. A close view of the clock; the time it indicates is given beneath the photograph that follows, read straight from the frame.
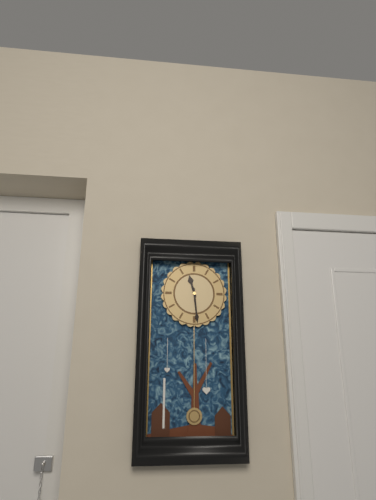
11:29
